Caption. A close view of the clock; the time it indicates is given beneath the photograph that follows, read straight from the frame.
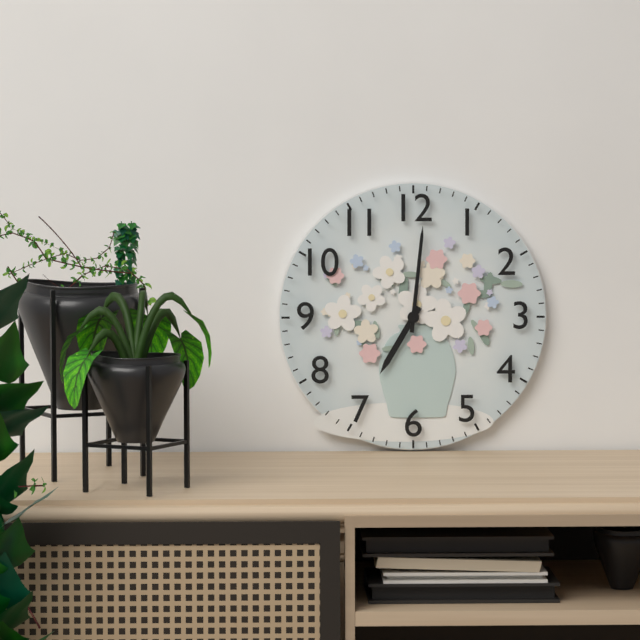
7:01
